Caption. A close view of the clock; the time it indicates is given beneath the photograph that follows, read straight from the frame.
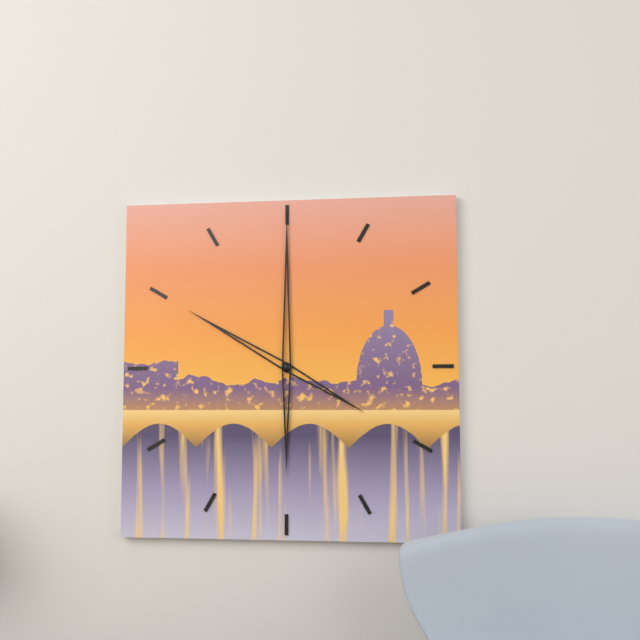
10:00
